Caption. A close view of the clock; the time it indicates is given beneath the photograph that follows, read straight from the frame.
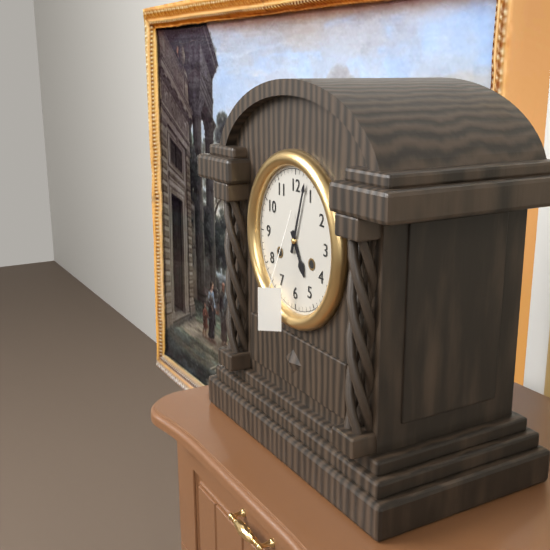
5:03
